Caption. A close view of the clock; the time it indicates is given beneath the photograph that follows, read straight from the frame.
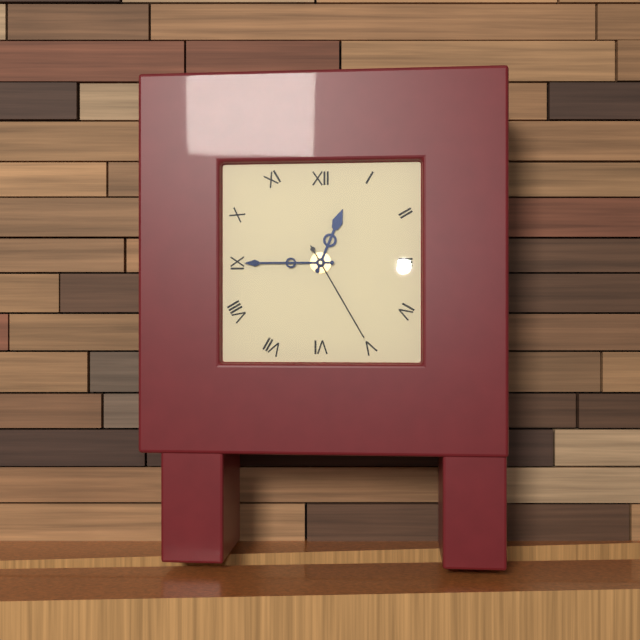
12:45:25
